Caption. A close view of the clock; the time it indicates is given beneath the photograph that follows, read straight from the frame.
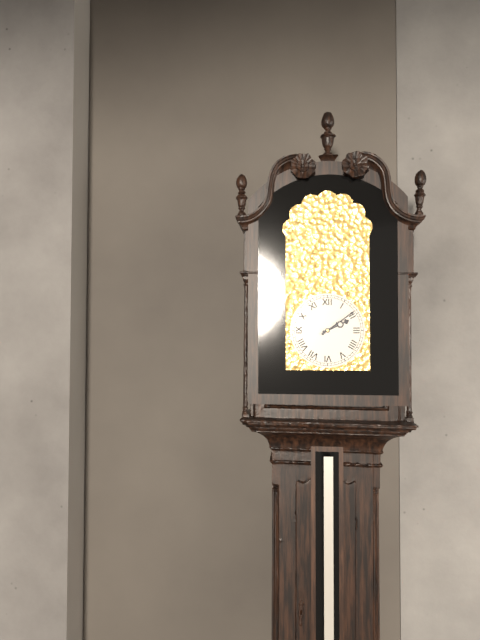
2:09
